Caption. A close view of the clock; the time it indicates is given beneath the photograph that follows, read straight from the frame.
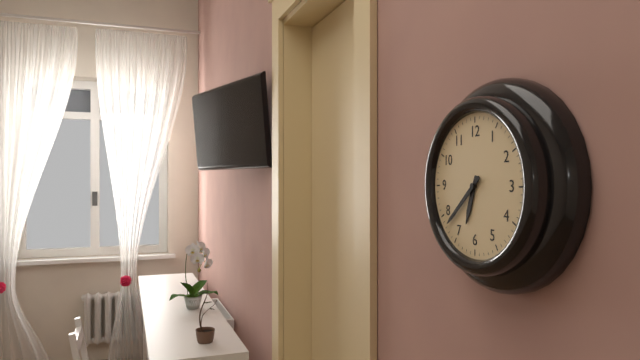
6:38
